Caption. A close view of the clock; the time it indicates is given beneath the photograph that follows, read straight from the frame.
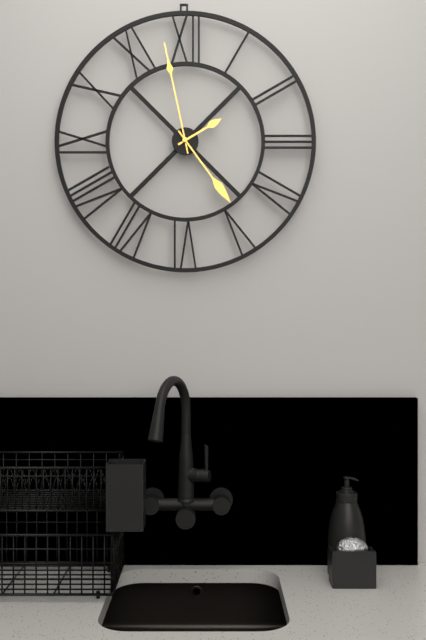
1:58:24
